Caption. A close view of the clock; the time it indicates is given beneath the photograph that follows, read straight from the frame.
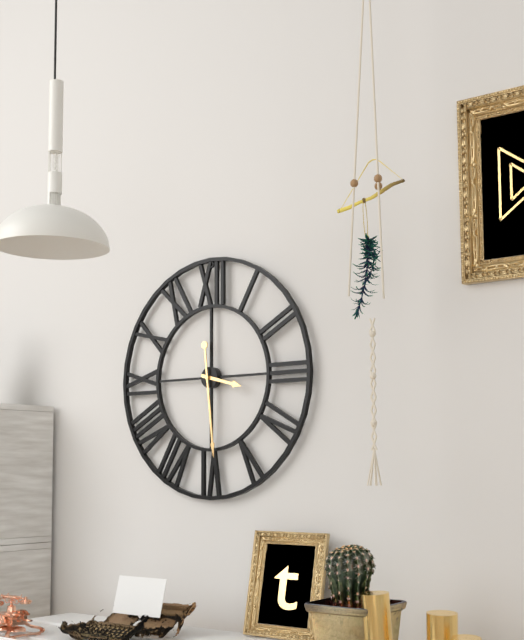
3:29
